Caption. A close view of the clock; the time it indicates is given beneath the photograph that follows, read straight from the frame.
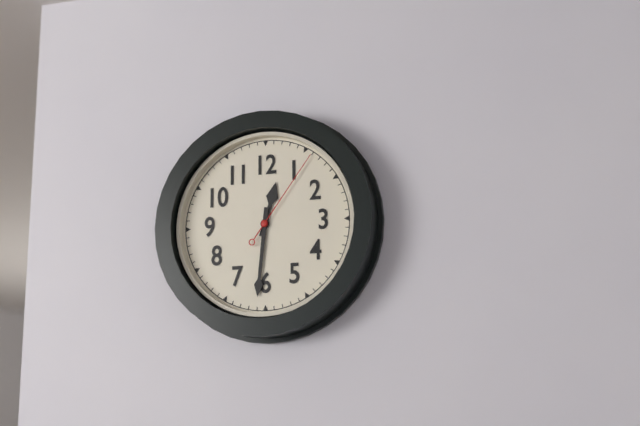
12:31:06
